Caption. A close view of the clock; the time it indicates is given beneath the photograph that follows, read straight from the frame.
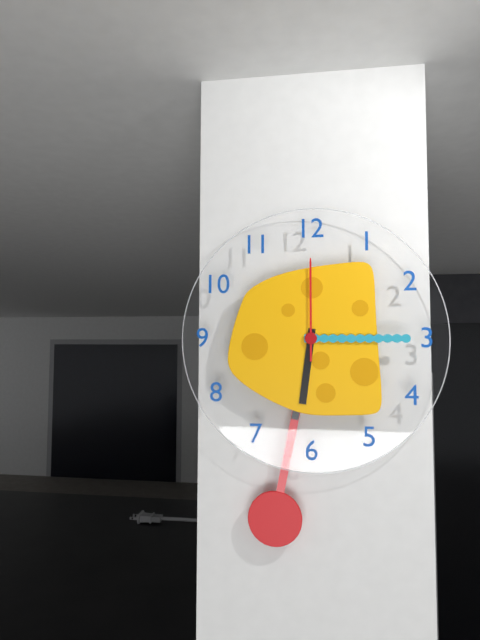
6:15:00
